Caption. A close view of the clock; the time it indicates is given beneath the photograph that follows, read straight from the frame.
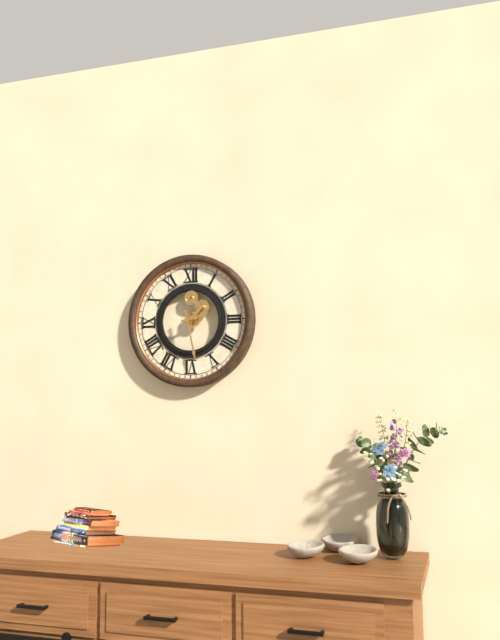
2:28
